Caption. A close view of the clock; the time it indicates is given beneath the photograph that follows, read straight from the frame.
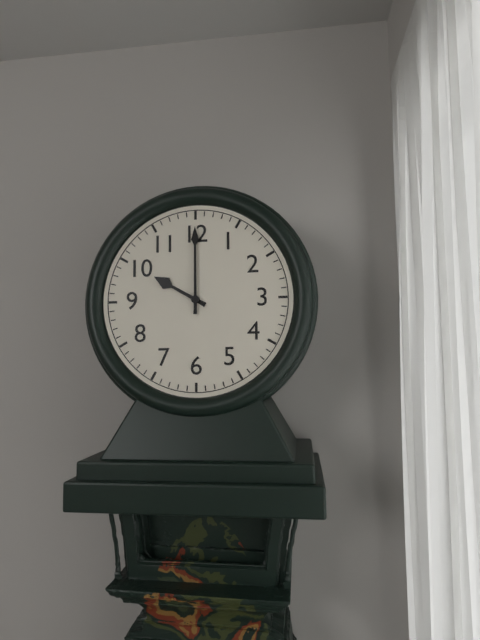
10:00
